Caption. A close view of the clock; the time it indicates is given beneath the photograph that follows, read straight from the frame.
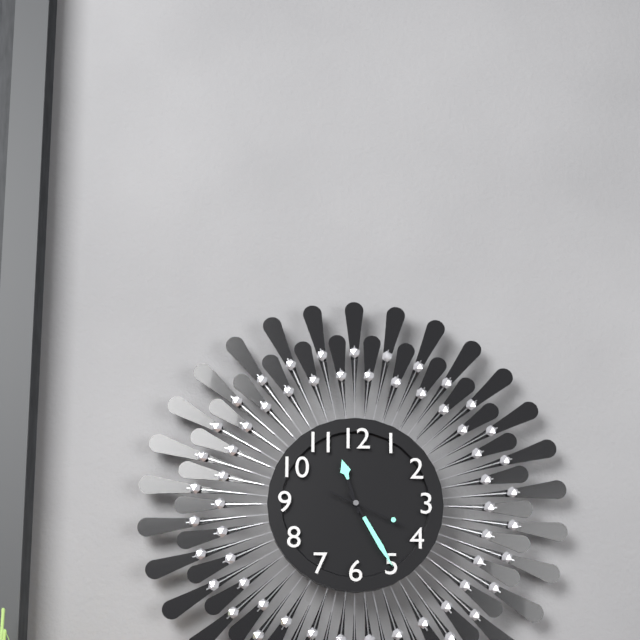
11:25:19
